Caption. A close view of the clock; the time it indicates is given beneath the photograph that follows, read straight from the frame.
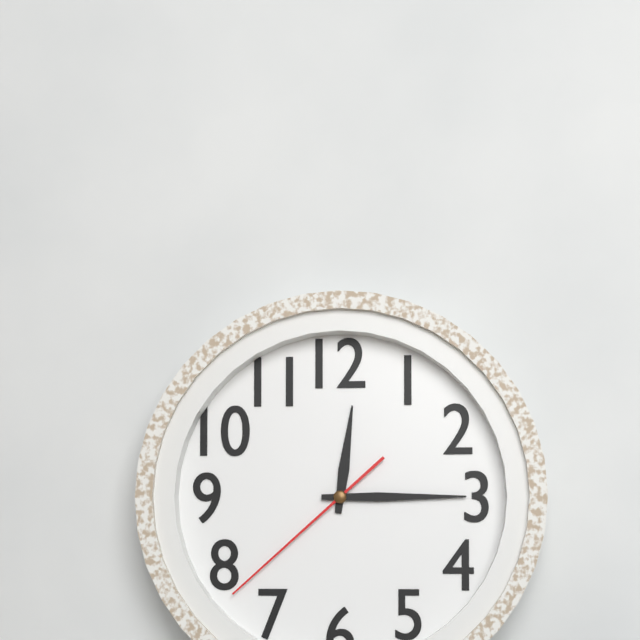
12:15:38
